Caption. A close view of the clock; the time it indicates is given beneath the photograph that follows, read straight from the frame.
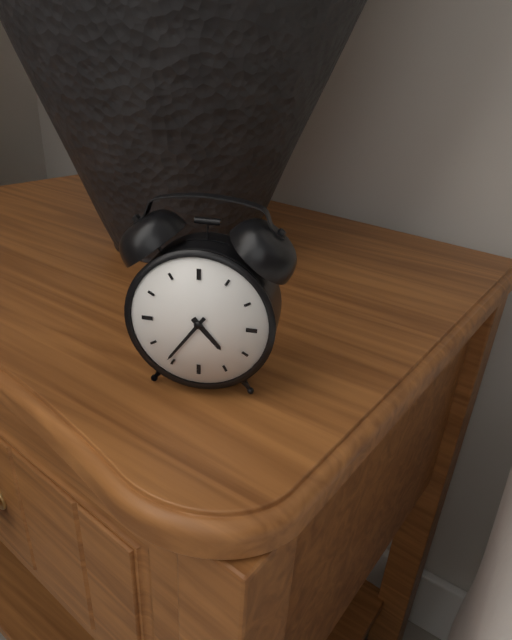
4:36
